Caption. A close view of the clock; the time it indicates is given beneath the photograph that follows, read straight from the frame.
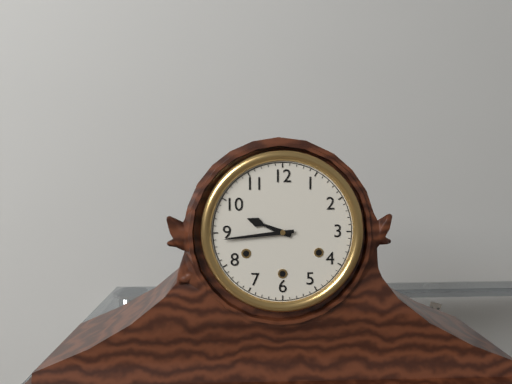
9:44
